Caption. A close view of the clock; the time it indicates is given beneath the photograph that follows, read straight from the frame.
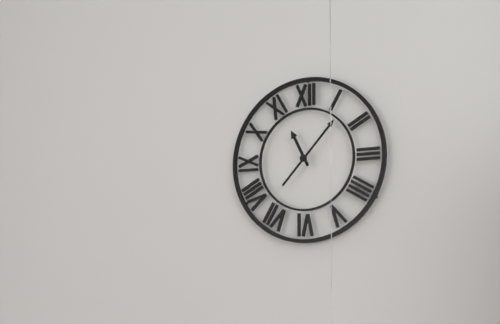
11:07
